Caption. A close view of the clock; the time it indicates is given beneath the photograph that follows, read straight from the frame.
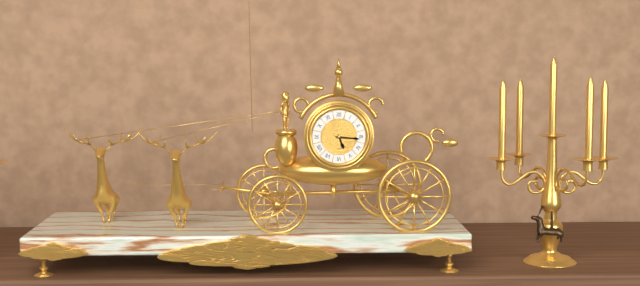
5:16
